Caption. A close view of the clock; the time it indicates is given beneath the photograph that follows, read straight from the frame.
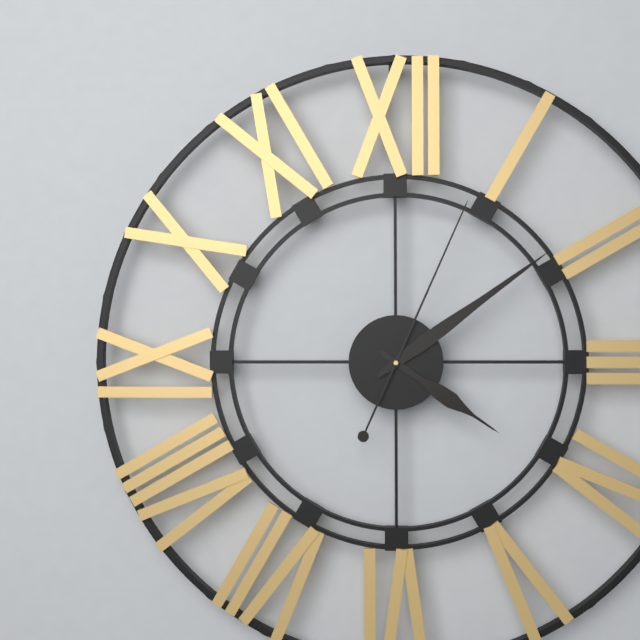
4:09:04
